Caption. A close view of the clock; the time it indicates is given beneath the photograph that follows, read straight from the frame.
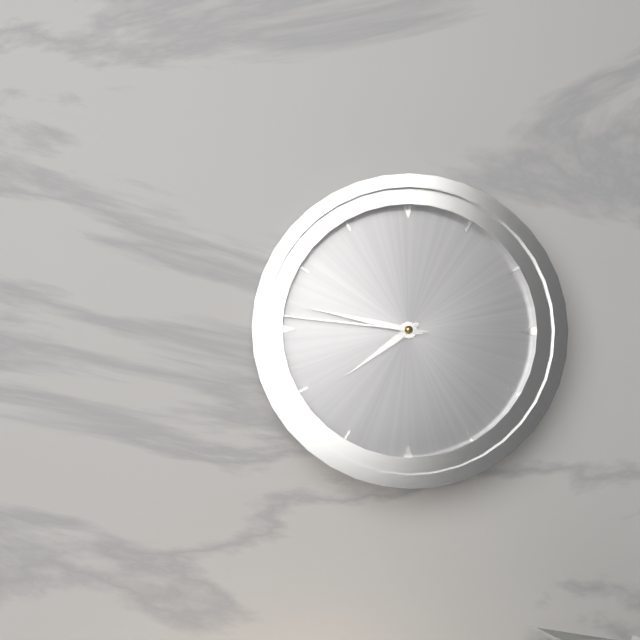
7:47:46
